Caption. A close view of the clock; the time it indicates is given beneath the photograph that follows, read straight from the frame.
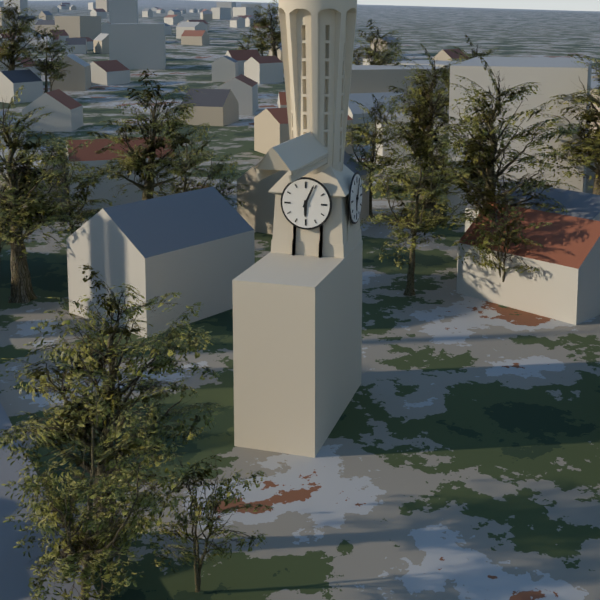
6:04
